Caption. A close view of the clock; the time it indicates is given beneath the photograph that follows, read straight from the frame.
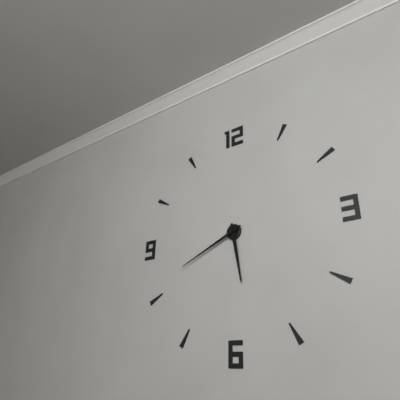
5:41
